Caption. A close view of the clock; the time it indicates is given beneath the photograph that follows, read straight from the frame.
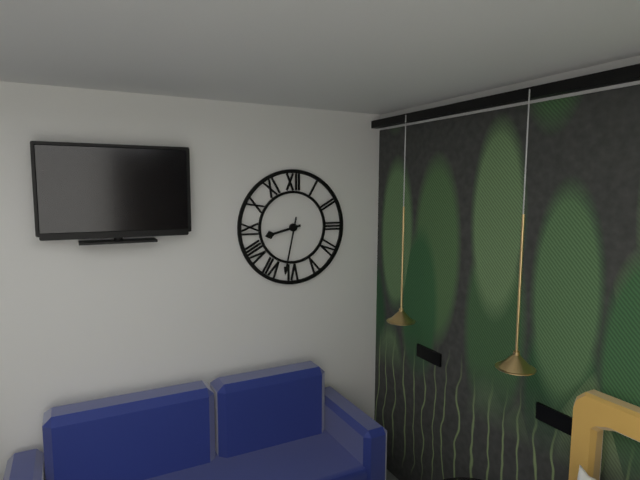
8:32
